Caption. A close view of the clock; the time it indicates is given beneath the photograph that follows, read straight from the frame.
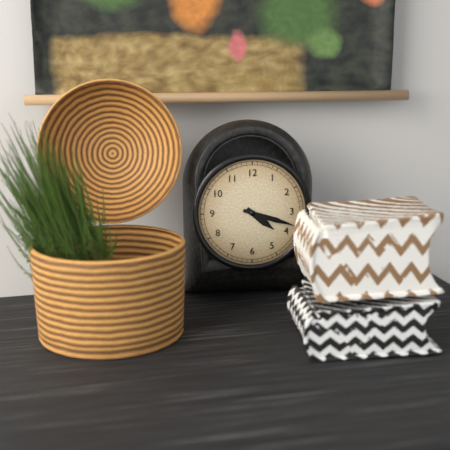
4:18
